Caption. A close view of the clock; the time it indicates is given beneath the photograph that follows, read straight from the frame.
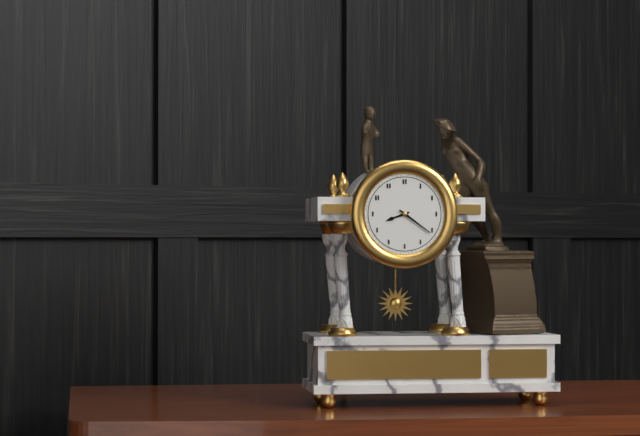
8:21
